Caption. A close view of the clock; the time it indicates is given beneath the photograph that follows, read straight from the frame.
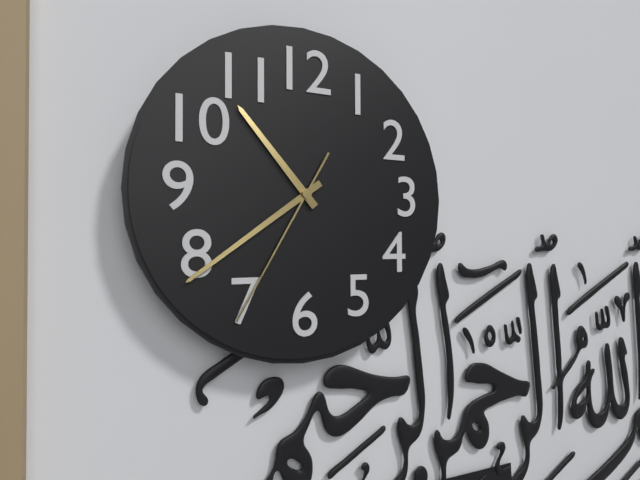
10:39:35
